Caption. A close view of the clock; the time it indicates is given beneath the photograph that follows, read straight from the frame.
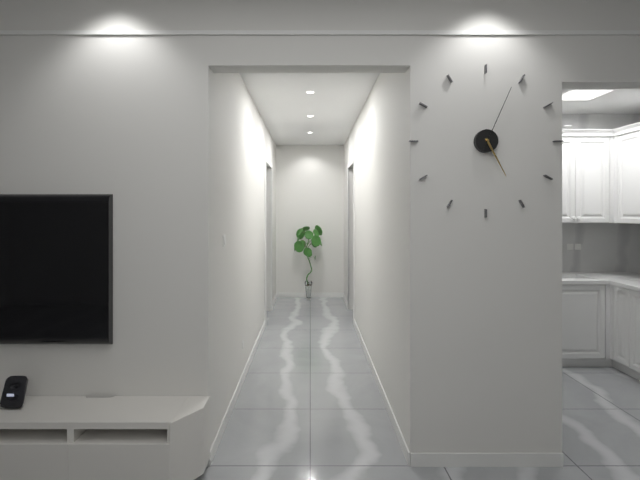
5:04
